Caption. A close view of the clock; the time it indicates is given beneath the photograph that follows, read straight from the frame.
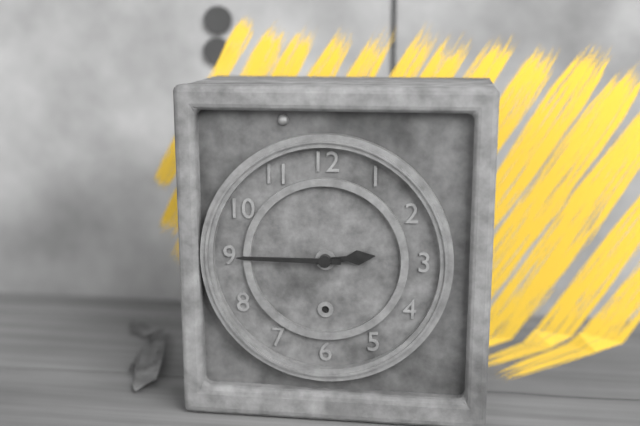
2:45
